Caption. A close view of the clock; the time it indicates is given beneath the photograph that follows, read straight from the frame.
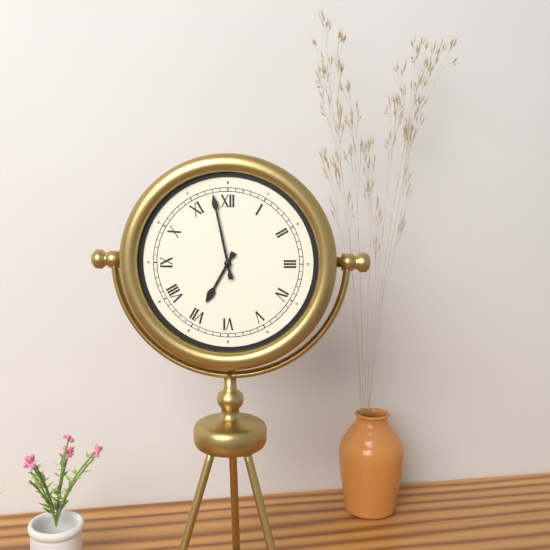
6:58
